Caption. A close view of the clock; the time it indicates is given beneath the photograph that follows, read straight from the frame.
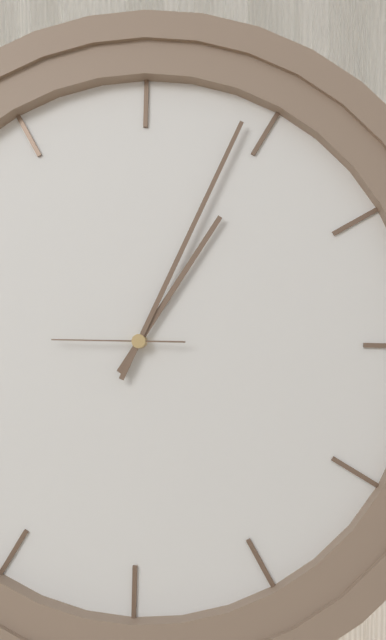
1:04:45
